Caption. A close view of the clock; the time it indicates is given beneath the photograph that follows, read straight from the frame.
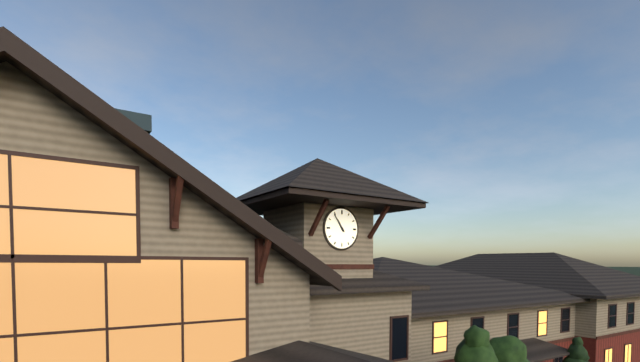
10:54
